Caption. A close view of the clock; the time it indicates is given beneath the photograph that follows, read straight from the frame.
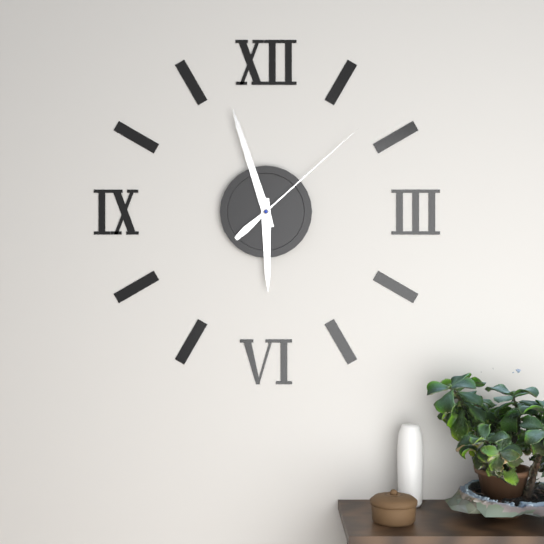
5:57:08
